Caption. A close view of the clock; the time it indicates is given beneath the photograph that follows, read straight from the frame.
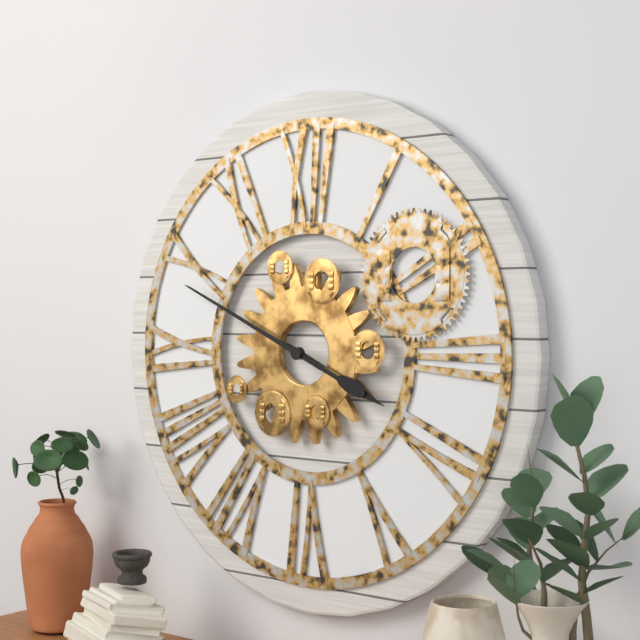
3:49
